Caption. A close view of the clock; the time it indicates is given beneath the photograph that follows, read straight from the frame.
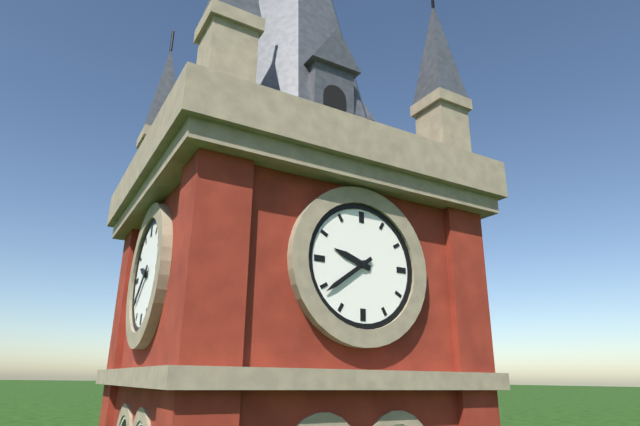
9:39
